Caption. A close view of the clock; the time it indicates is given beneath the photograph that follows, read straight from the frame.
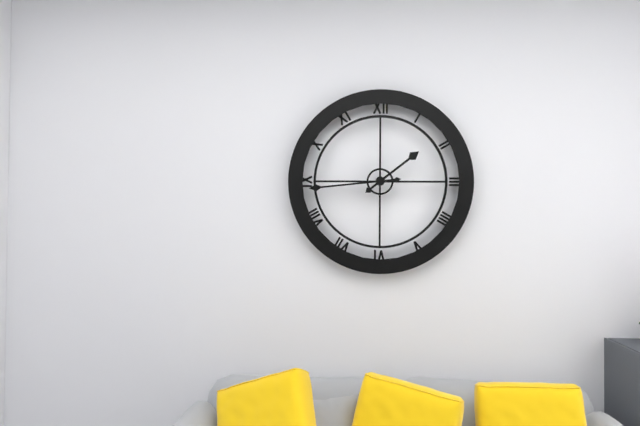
1:44
